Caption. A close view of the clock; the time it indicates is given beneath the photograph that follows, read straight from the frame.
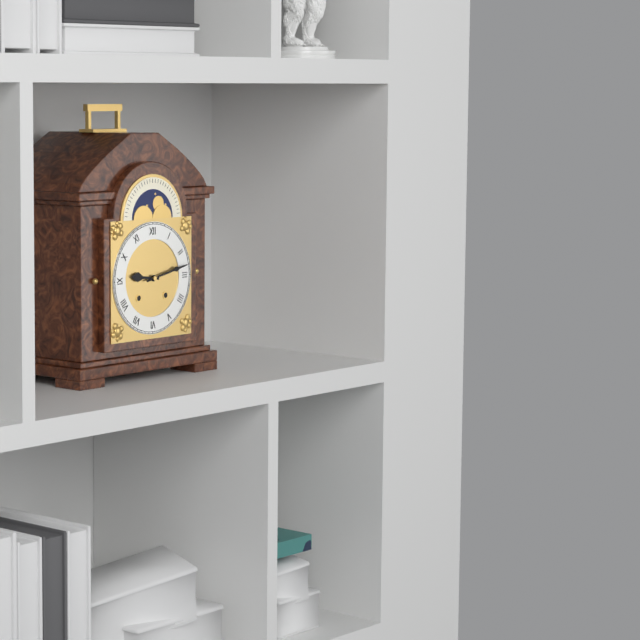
9:13
